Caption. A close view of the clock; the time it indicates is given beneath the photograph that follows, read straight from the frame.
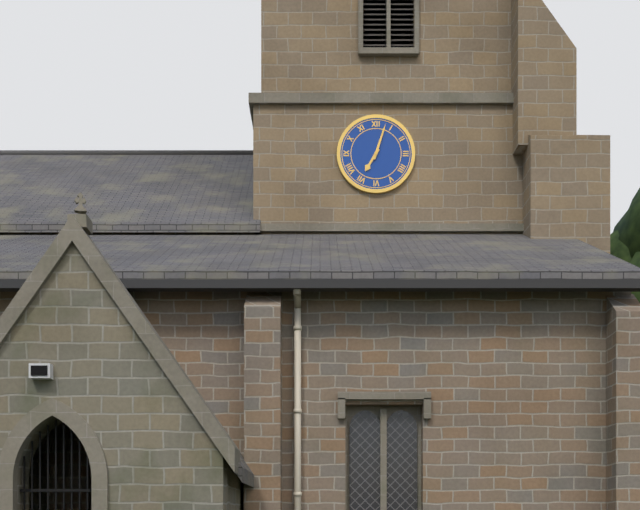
7:03
